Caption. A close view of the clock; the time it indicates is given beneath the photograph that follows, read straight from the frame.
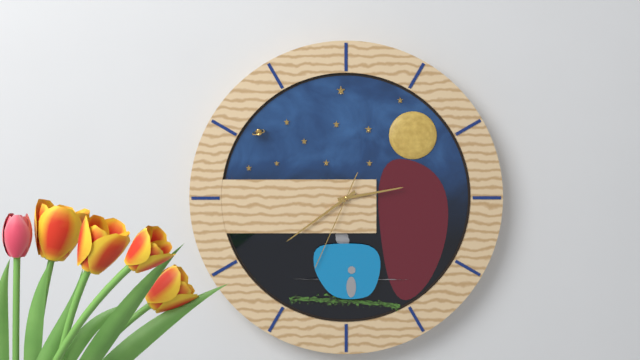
2:39:34
